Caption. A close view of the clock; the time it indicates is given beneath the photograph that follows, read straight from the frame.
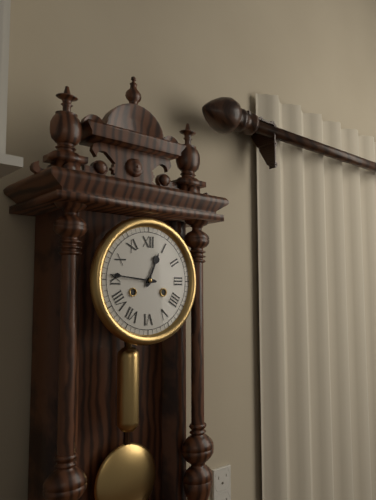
12:46
